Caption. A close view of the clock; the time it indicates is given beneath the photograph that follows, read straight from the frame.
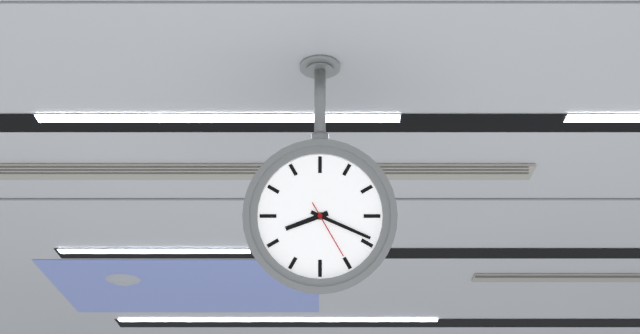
8:19:25
